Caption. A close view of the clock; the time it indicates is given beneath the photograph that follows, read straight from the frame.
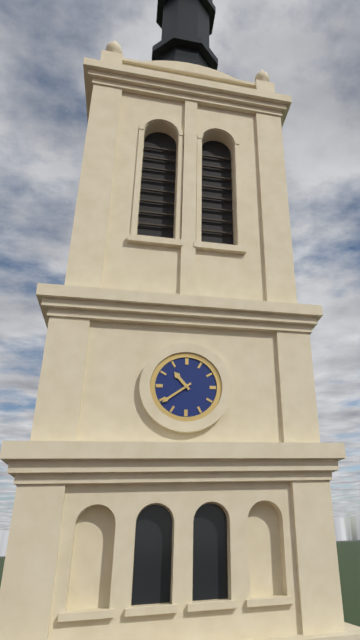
10:39
